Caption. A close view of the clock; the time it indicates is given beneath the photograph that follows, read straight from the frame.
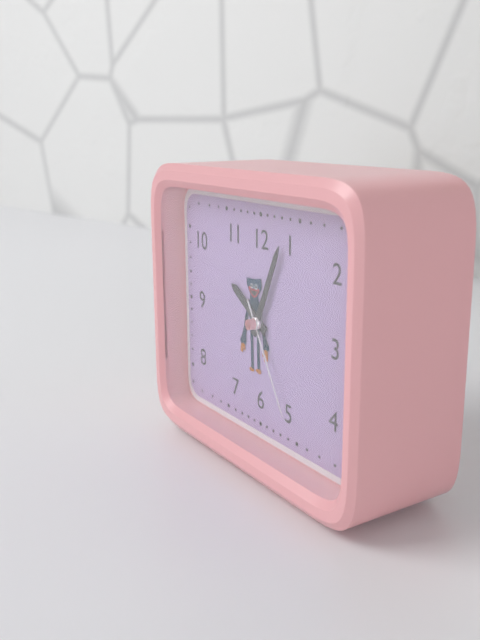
10:04:25
